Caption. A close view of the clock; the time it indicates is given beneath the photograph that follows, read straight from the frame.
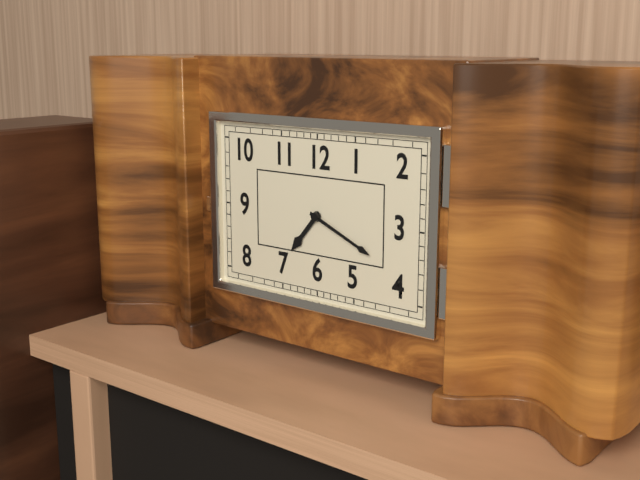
7:19
